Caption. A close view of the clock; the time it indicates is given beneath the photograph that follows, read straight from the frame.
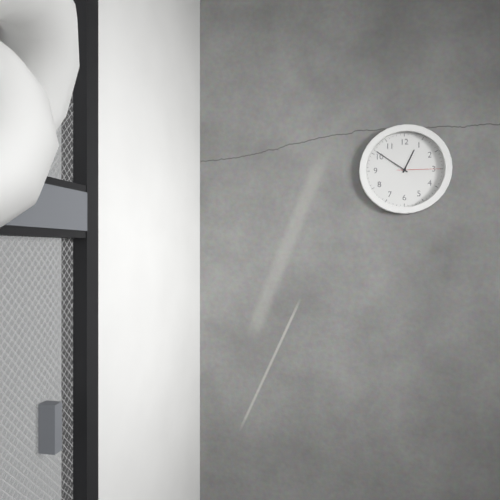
12:51
